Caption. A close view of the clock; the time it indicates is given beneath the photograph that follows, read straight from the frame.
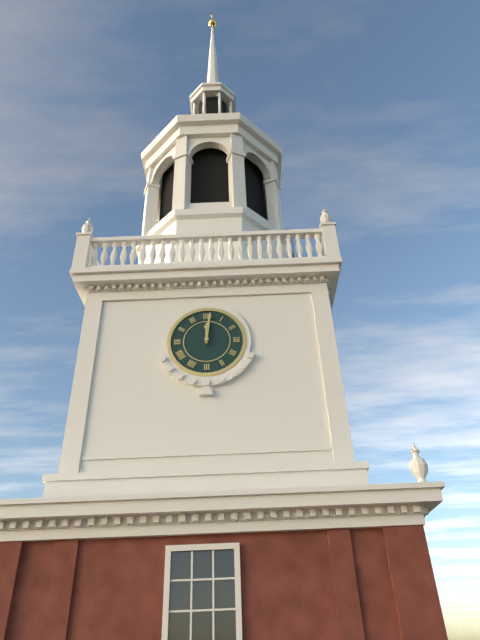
12:01
